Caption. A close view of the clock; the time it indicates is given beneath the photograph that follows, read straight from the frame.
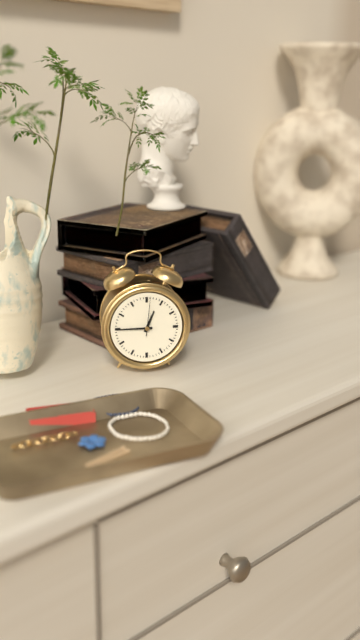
12:45
